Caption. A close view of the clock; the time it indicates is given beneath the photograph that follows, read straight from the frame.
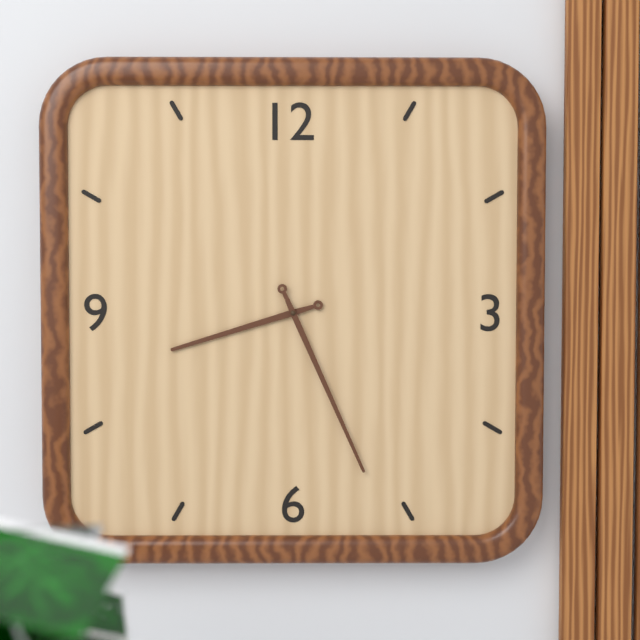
8:26
